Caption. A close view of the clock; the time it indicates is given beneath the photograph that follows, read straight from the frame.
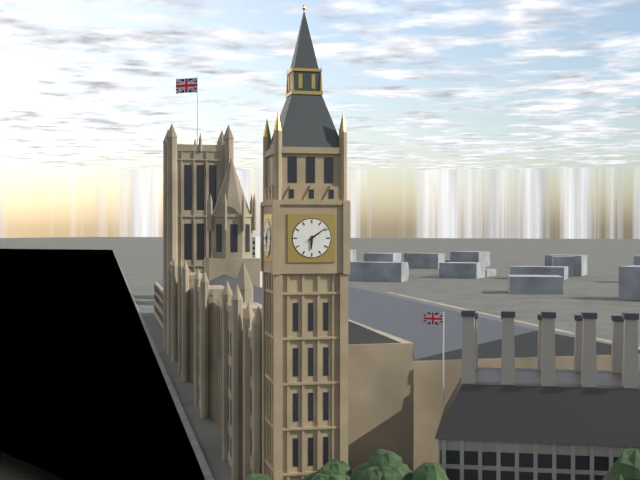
6:09
